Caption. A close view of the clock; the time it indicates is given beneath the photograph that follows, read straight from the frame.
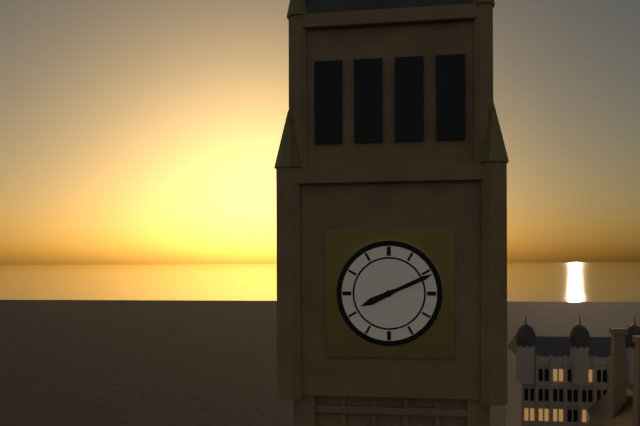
8:11
